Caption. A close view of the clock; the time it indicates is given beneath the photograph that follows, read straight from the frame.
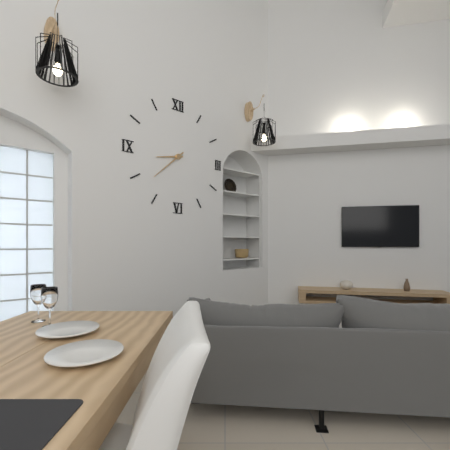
8:38
